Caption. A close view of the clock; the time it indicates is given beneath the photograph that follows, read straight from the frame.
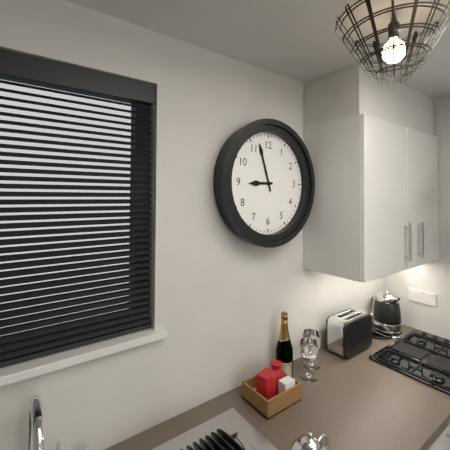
8:57
